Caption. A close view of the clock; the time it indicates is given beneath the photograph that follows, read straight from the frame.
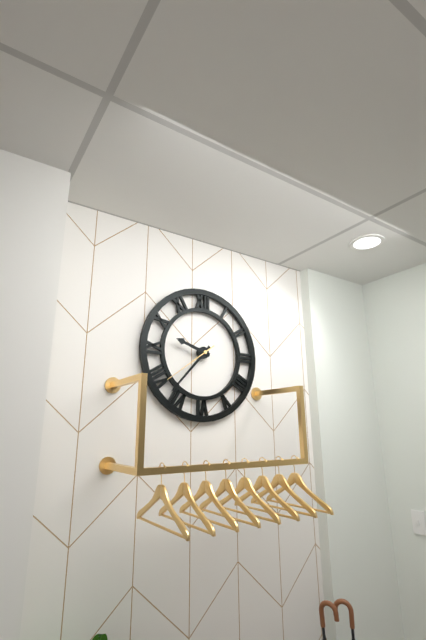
9:37:39
